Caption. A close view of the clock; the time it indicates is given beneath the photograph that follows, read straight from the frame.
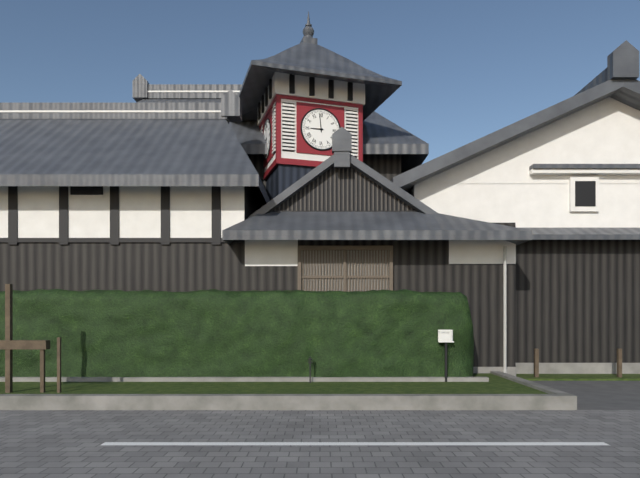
8:59
